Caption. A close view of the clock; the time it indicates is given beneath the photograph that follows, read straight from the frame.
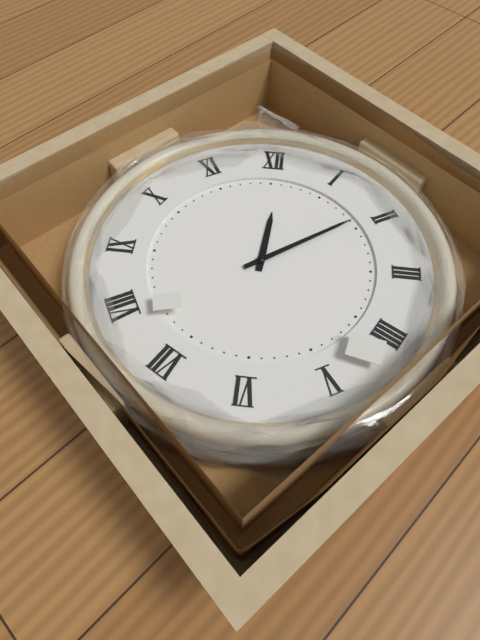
12:09
